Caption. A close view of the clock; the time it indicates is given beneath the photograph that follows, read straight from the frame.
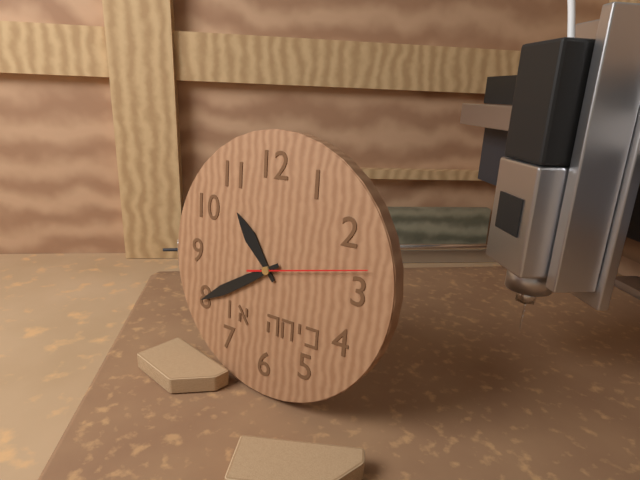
10:40:13
